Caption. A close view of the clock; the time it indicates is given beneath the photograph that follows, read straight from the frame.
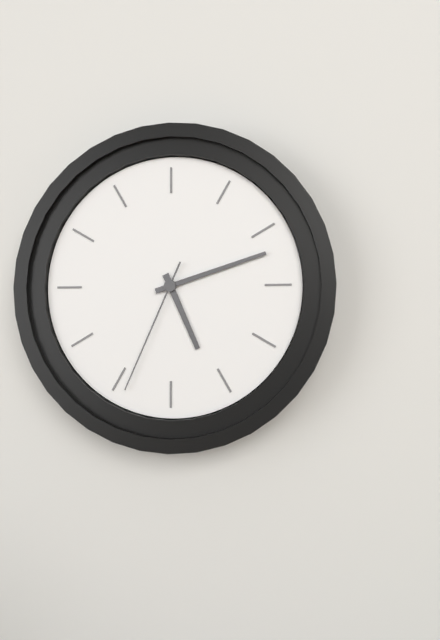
5:12:34
